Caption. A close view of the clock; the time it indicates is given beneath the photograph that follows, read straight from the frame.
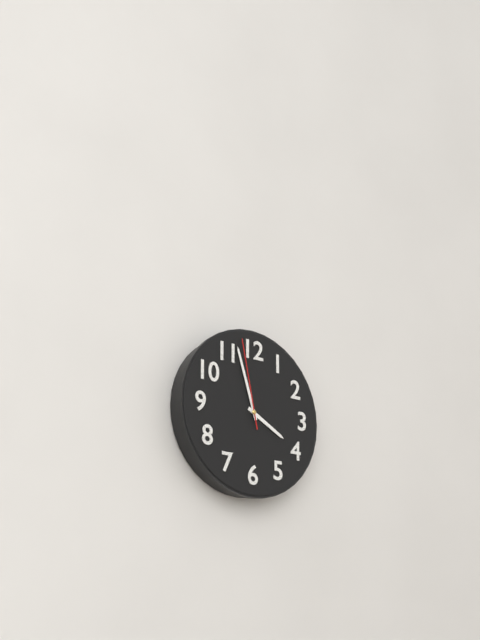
3:57:58
